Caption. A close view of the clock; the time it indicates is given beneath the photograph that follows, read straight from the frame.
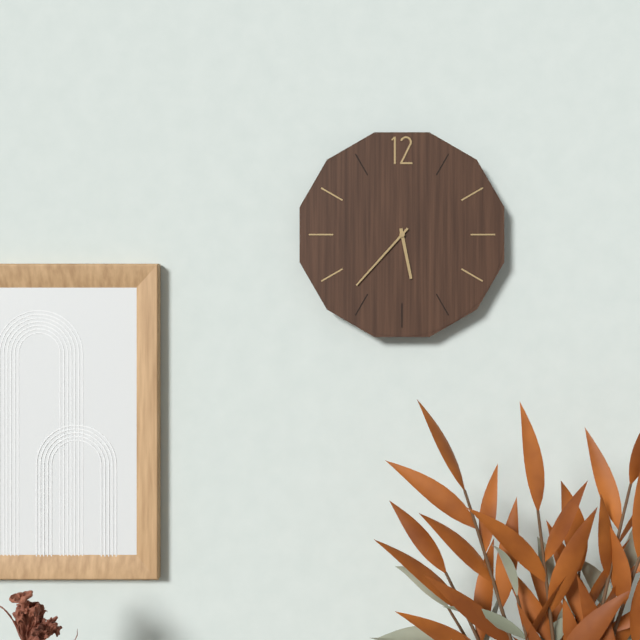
5:37
